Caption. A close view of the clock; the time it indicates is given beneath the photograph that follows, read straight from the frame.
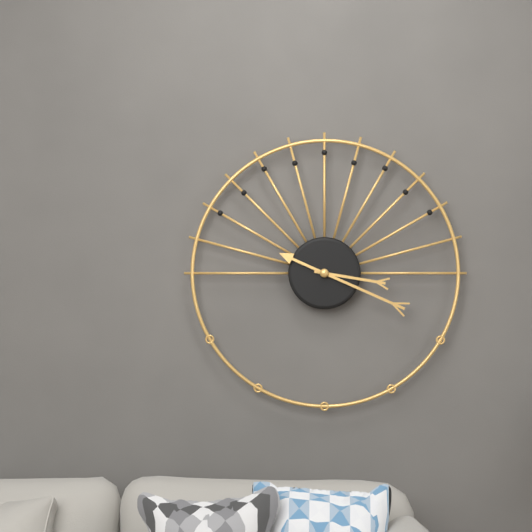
3:19
